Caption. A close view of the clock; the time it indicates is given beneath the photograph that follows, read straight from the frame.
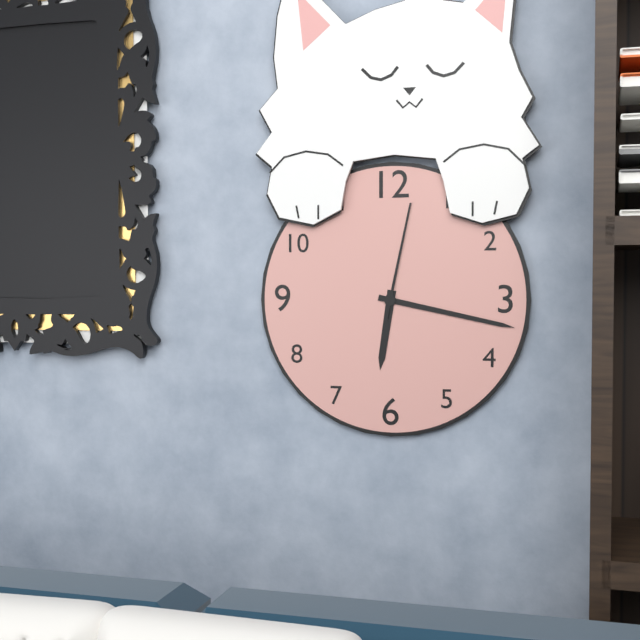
6:17:02
